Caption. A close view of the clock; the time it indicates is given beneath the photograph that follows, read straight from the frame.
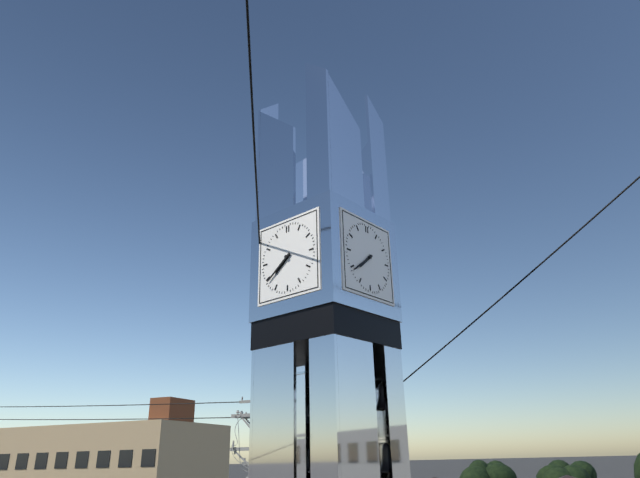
7:39
